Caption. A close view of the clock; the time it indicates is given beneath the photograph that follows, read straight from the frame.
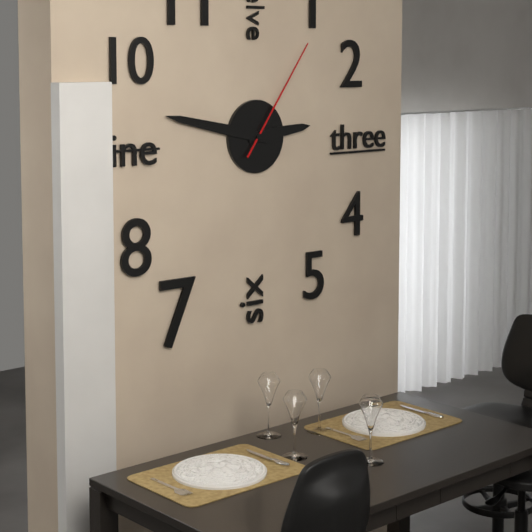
2:47:06
